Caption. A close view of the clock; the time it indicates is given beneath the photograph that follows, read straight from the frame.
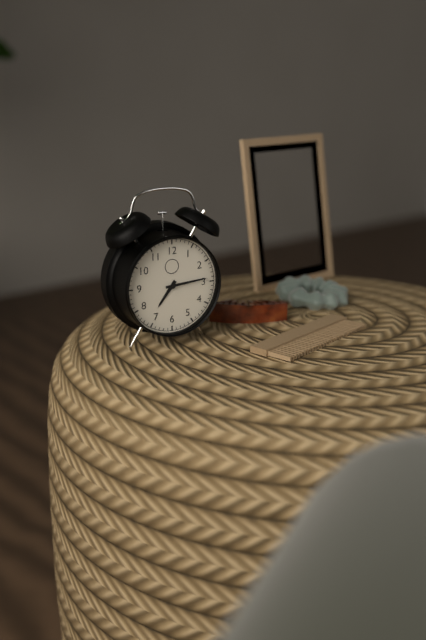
7:14
